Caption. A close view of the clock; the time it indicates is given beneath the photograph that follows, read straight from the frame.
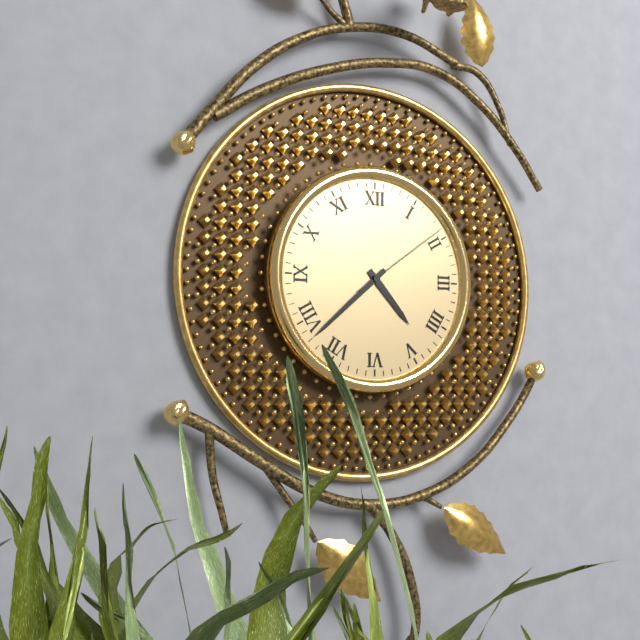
4:38:09
